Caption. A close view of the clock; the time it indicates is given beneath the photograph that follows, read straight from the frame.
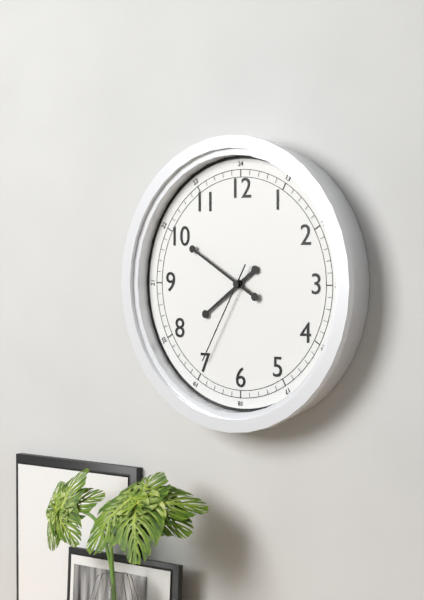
7:50:35
